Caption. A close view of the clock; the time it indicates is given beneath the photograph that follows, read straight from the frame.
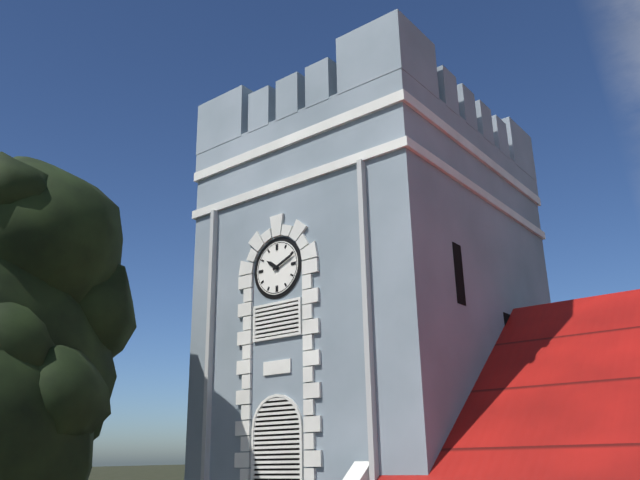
10:11
